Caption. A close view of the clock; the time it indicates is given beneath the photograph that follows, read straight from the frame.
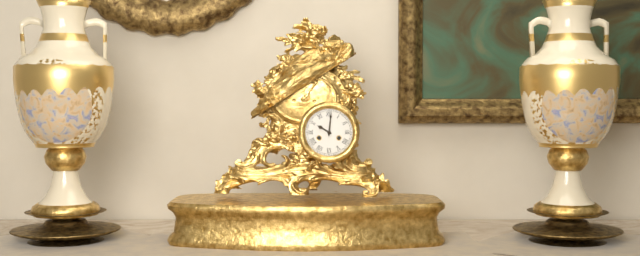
10:01
